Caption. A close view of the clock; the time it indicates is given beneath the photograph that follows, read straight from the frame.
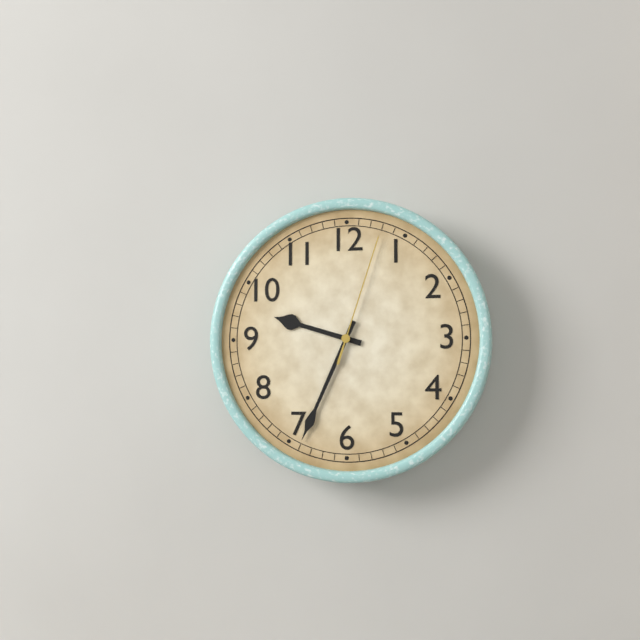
9:34:03
